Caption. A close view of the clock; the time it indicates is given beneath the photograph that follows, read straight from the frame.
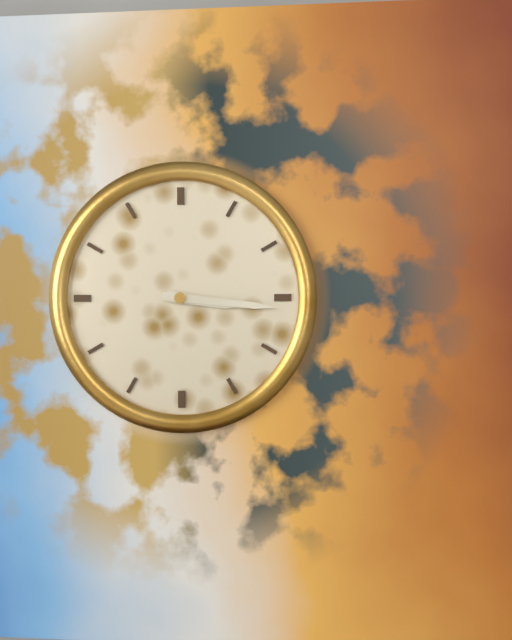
3:16
